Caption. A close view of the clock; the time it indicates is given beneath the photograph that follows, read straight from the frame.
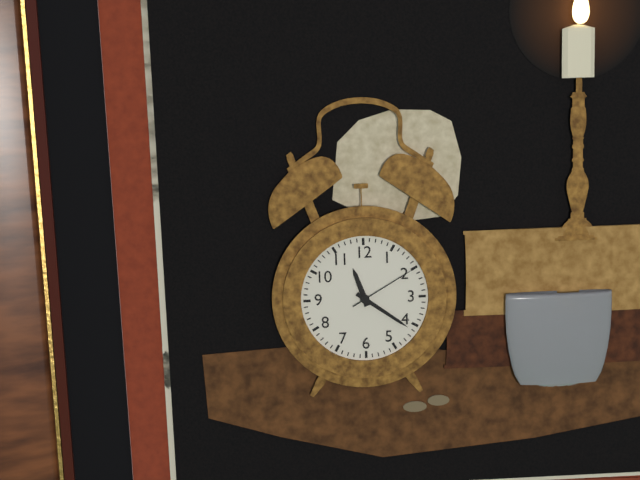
11:21:10
